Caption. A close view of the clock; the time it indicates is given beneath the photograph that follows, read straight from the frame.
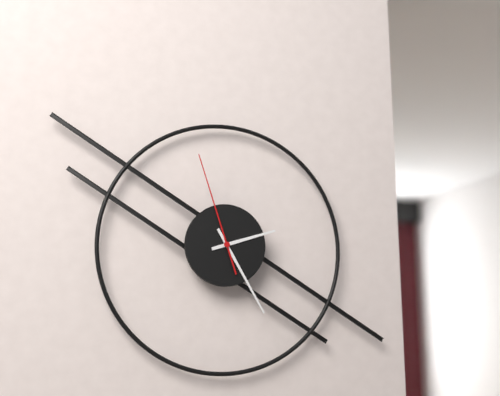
2:25:57
